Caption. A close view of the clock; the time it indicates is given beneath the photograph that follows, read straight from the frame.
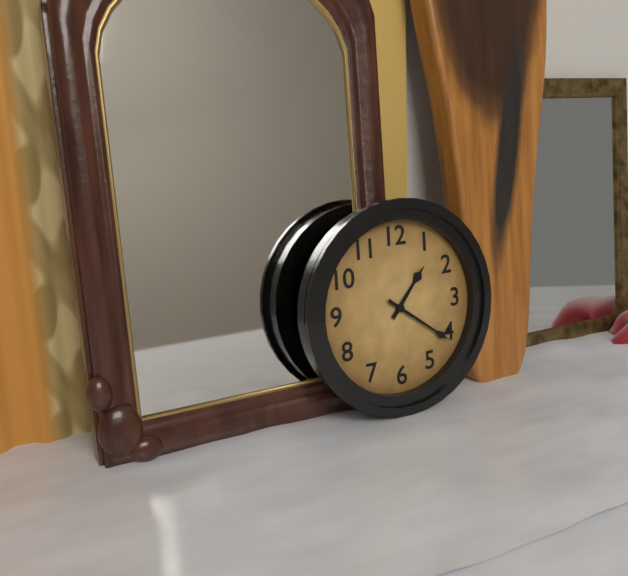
1:21
